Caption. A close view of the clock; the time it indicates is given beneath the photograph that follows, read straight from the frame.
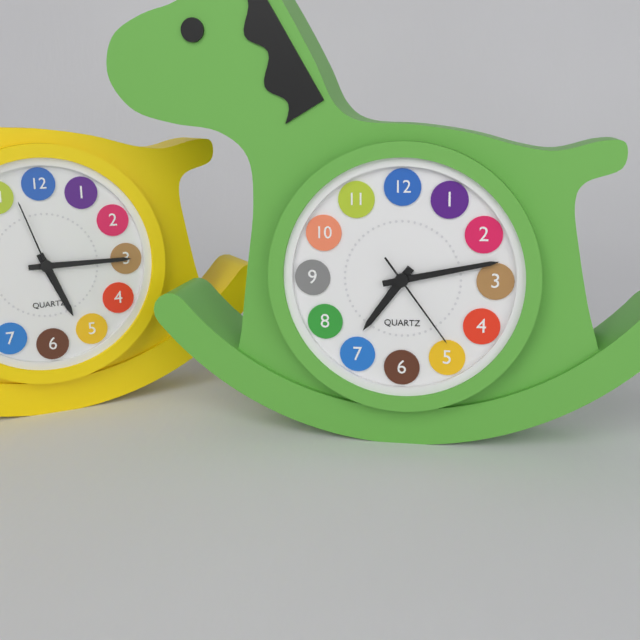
7:13:24
